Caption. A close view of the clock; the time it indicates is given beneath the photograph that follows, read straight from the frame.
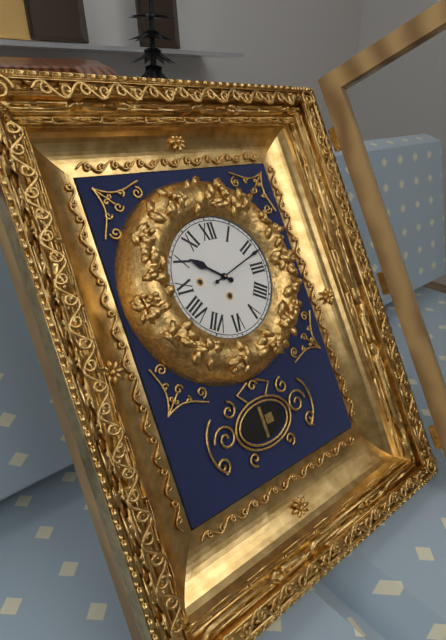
10:12
